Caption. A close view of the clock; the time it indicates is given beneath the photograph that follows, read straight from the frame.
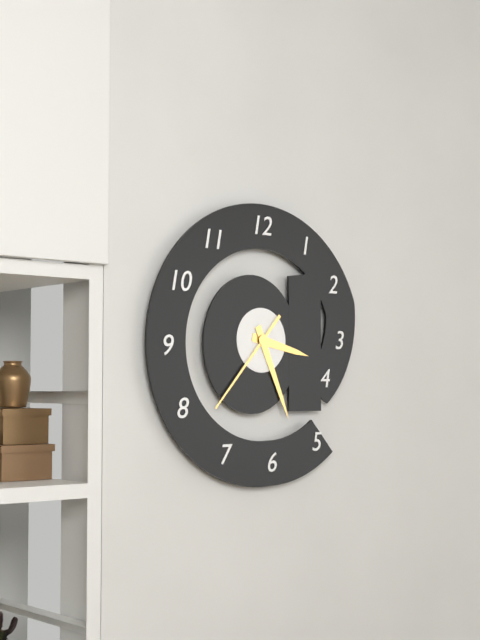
3:26:37
